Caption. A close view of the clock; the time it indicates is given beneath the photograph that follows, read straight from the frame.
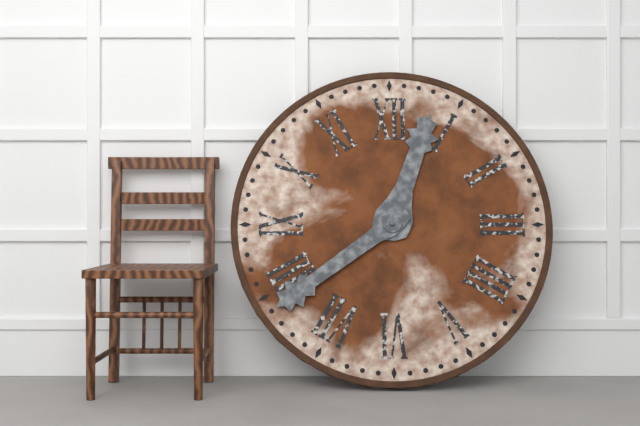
12:39
